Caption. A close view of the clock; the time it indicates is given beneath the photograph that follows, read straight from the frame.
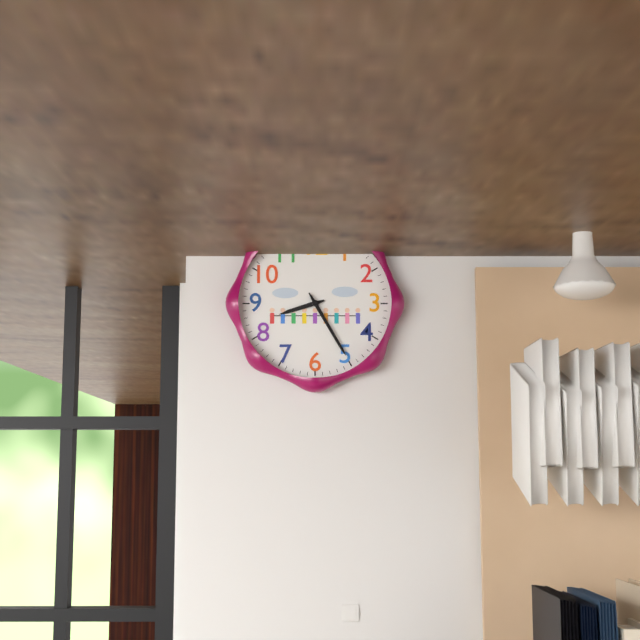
8:25
